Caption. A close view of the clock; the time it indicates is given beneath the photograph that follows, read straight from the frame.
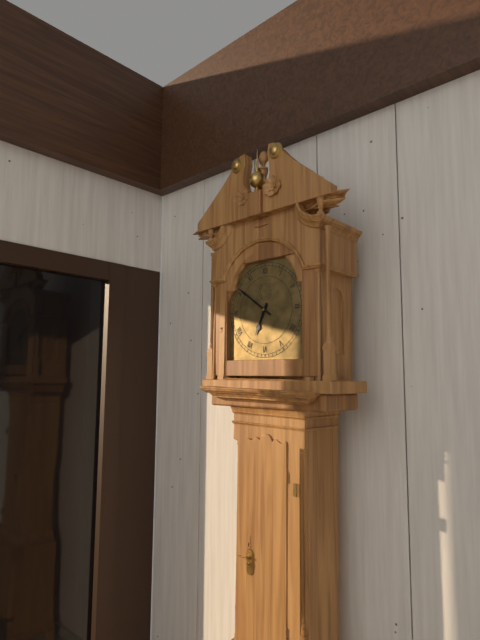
6:51
